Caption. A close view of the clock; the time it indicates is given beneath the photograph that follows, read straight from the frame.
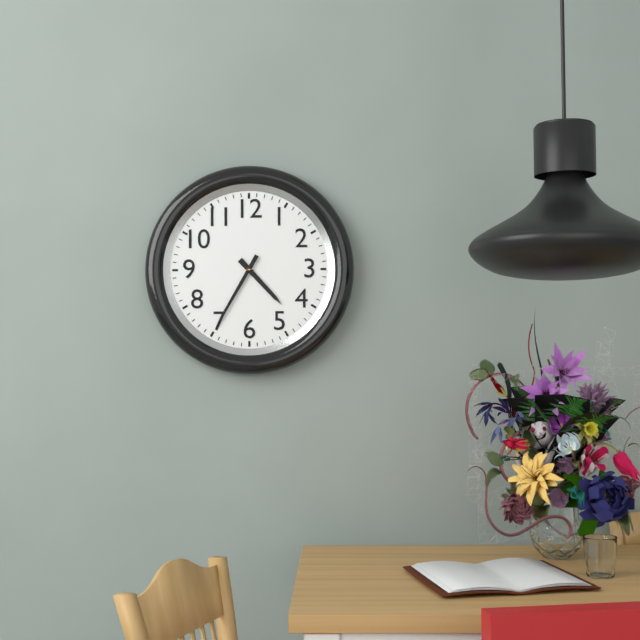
4:35
